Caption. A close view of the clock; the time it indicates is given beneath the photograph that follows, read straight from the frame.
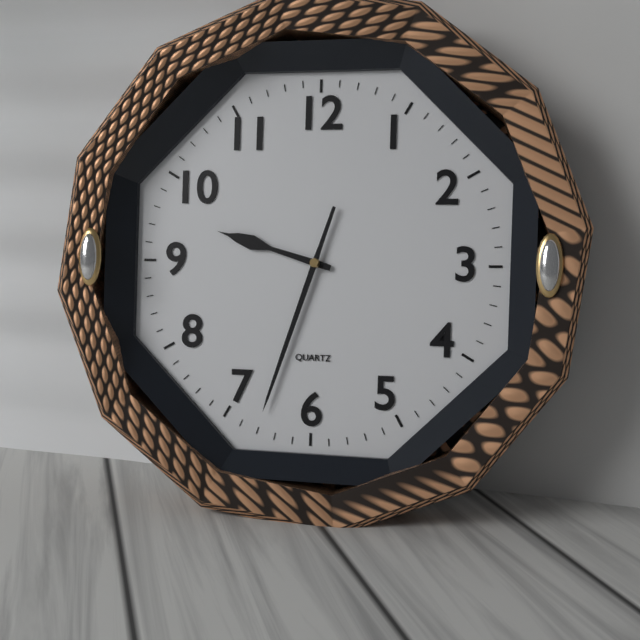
9:33
